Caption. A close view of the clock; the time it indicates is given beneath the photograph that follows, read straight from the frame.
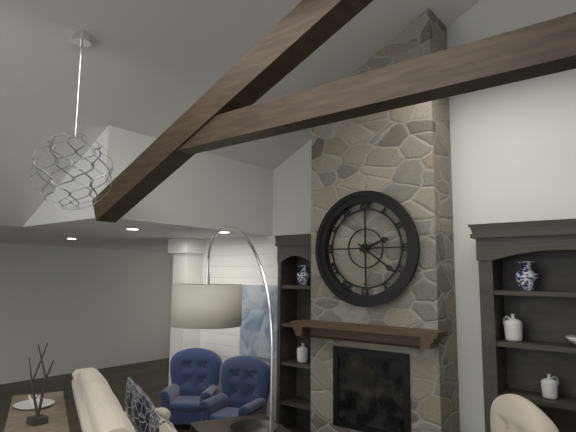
2:21
